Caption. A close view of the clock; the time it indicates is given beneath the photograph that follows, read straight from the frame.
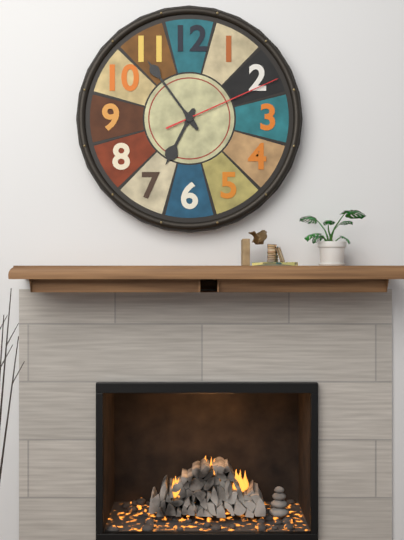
6:54:11
